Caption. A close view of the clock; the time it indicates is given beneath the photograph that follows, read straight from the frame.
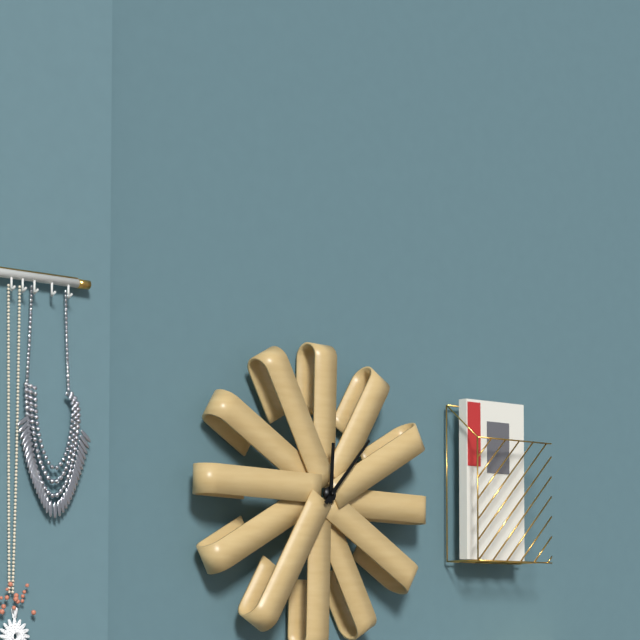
12:07
